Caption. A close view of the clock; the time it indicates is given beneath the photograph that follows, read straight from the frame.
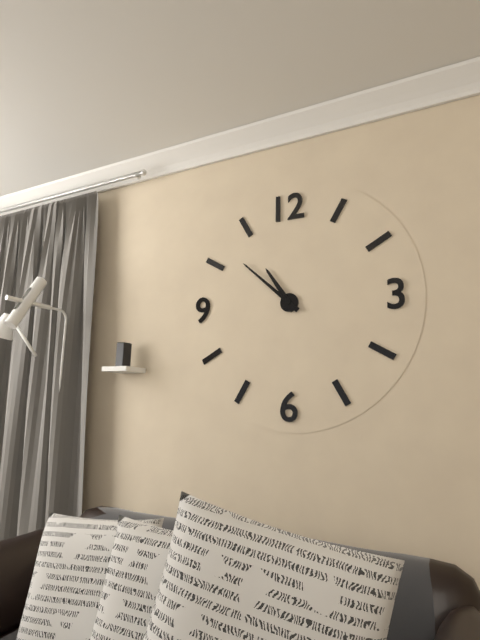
10:52
